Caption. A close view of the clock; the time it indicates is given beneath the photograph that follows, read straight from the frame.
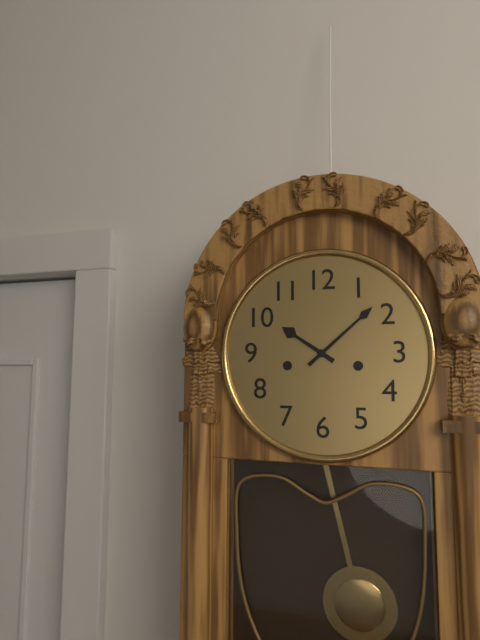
10:08
